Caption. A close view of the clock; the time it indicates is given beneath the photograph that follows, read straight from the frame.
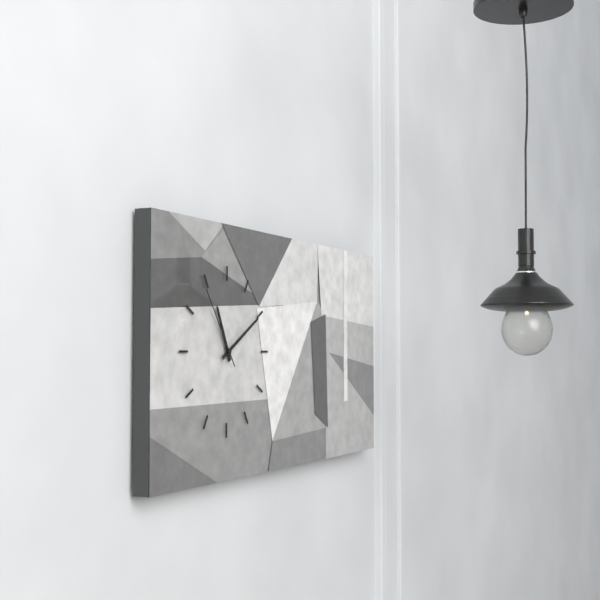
11:10:54
